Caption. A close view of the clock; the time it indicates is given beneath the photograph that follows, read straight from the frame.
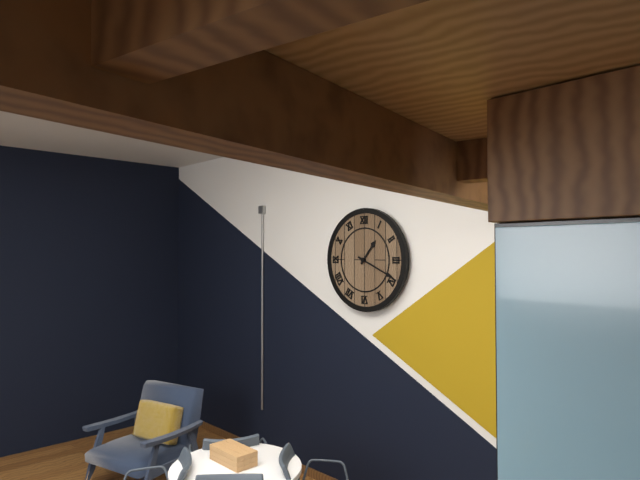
1:19
